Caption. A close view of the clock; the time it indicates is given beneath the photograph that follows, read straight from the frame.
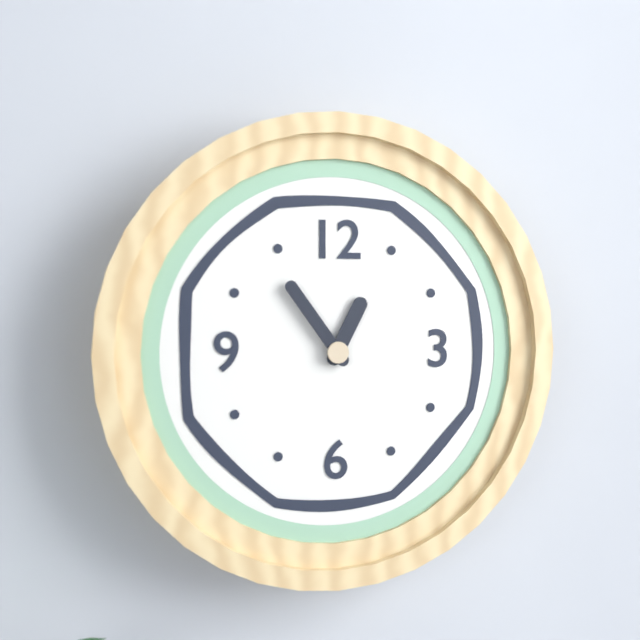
12:54
